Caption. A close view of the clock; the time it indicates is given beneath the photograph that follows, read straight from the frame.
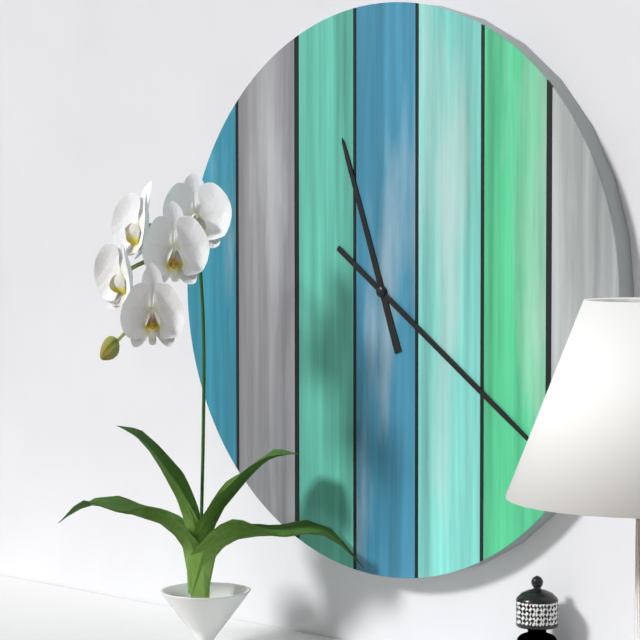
11:21
